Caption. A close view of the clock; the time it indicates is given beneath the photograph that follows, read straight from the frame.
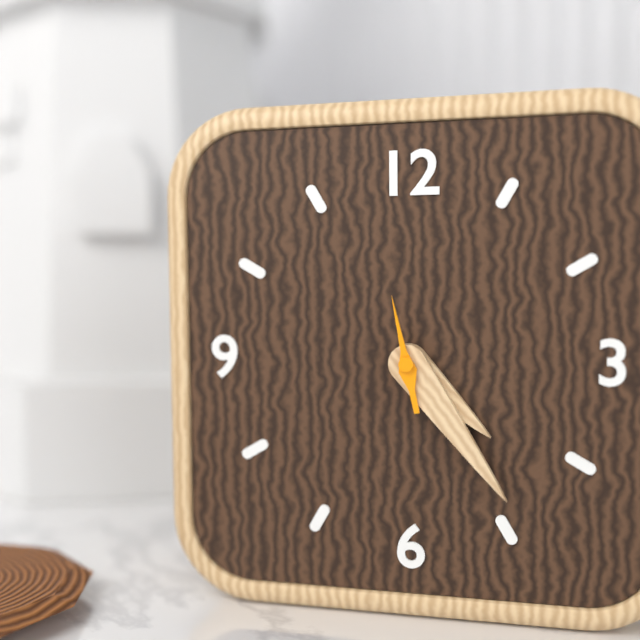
4:24:58
